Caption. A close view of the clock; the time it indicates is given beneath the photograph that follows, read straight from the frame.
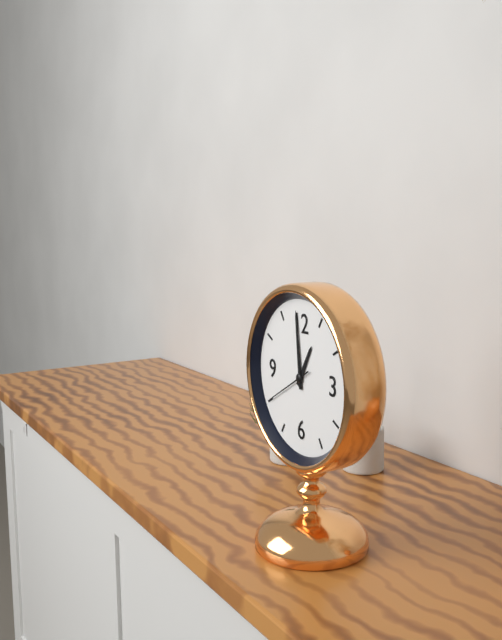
12:59
